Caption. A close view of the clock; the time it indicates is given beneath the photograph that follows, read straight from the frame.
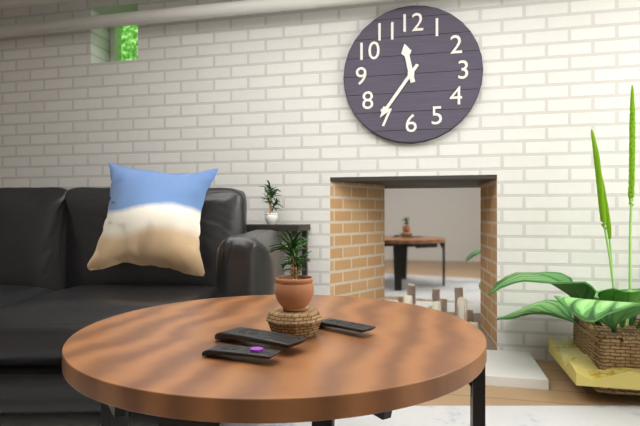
11:36
